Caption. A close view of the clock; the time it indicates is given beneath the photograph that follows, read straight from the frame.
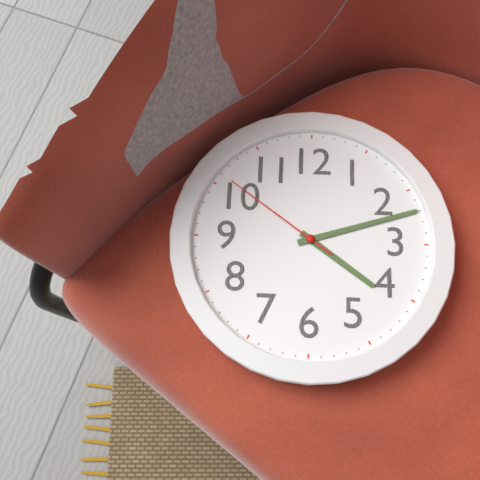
4:12:51
